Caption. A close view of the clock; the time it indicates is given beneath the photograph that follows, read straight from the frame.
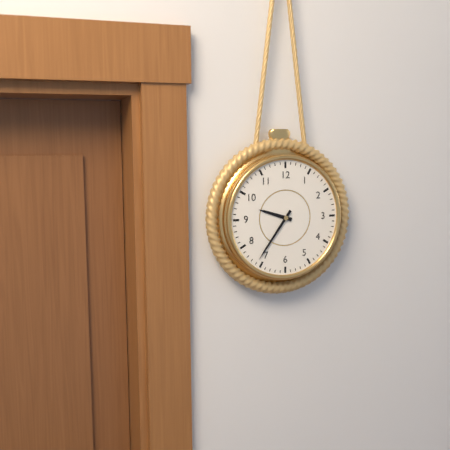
9:36
